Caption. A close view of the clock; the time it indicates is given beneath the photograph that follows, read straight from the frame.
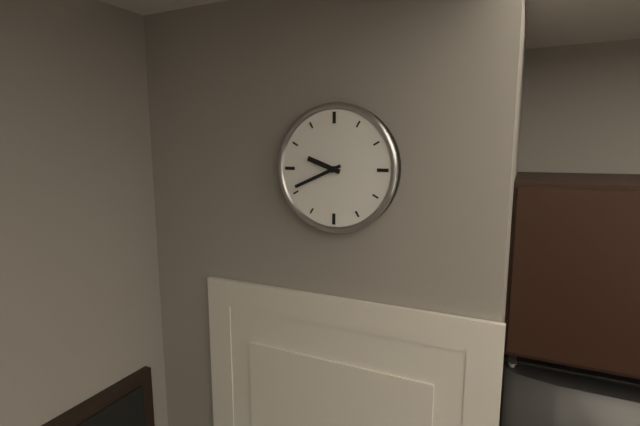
9:41
